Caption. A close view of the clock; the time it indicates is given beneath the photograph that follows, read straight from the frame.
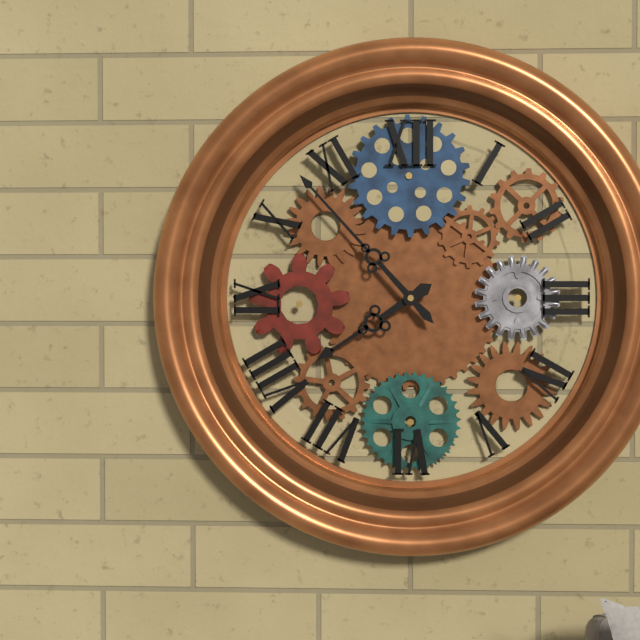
7:53
